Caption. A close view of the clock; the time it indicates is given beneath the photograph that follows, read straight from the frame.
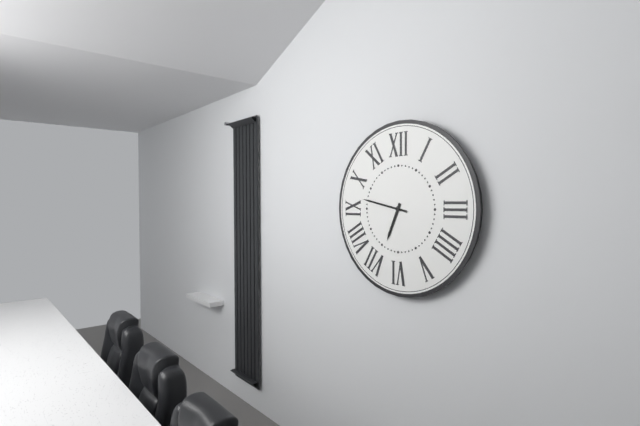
6:47
